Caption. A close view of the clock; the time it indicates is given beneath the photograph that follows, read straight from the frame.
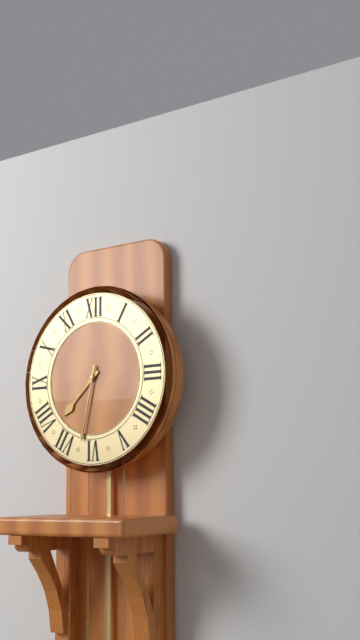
7:32
